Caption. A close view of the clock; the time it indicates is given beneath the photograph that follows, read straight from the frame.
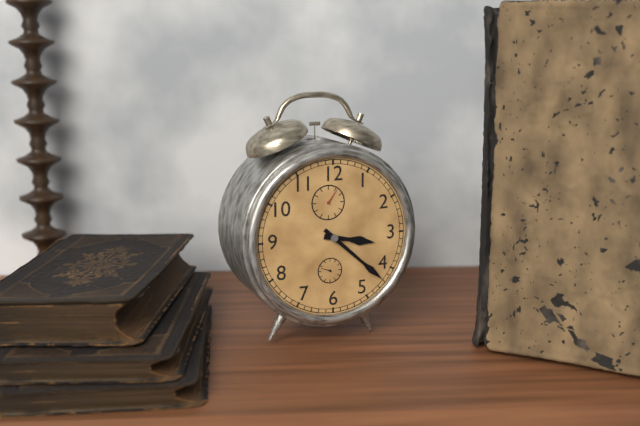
3:22
